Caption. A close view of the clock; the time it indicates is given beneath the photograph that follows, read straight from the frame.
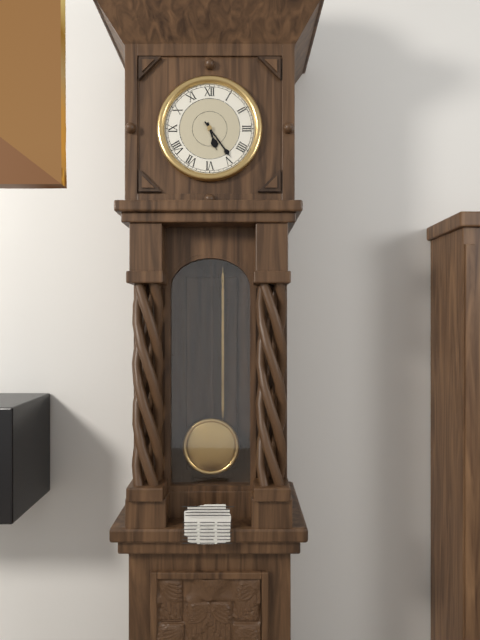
5:24
